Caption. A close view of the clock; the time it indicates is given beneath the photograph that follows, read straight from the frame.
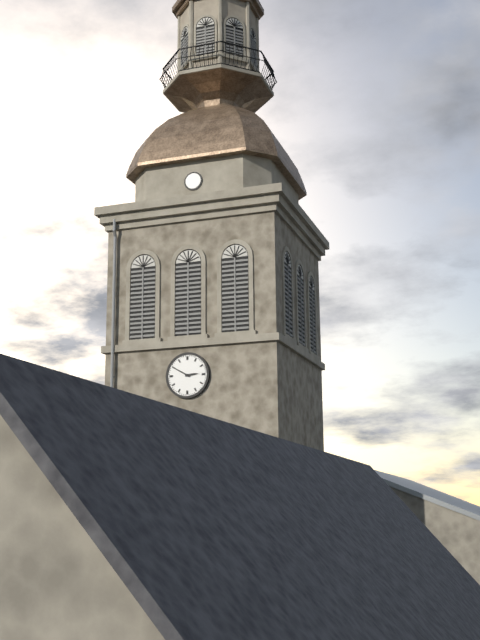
2:50
